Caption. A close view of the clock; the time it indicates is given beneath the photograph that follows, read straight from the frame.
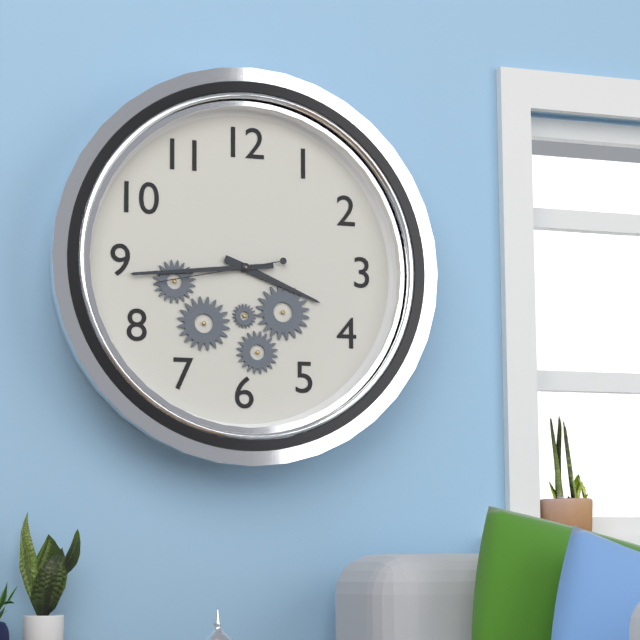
3:44:43
